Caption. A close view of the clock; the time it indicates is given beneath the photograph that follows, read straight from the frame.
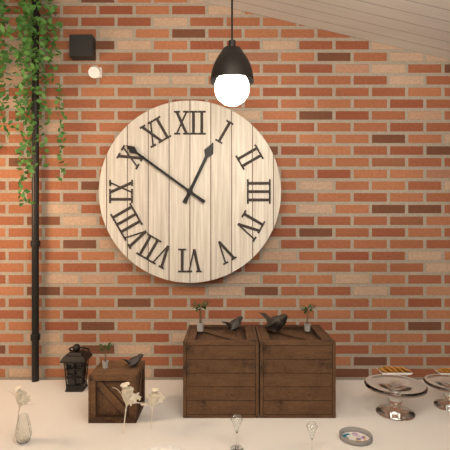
12:51
